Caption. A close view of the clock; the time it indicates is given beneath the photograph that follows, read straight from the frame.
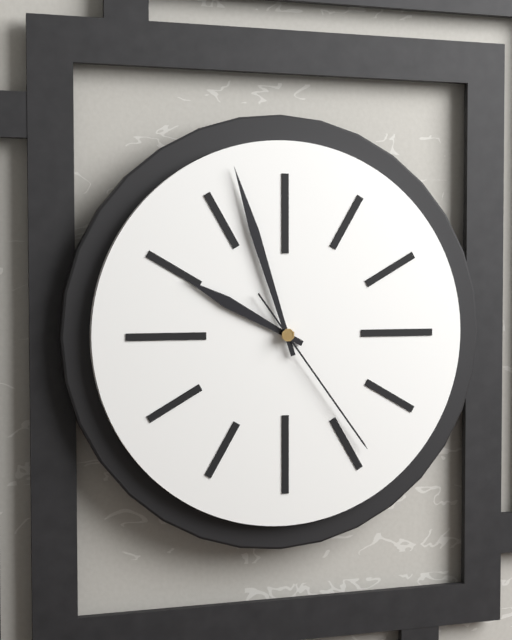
9:57:24
